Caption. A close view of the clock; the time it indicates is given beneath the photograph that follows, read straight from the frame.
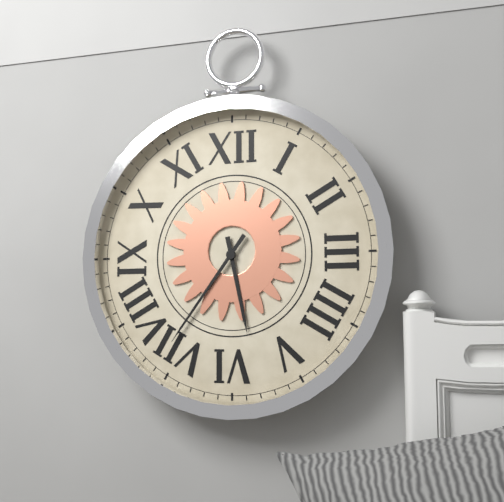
5:36
